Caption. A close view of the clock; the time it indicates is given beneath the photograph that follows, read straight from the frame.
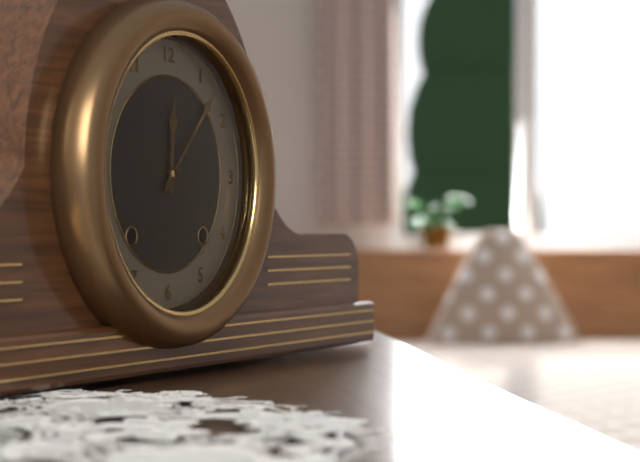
12:07
